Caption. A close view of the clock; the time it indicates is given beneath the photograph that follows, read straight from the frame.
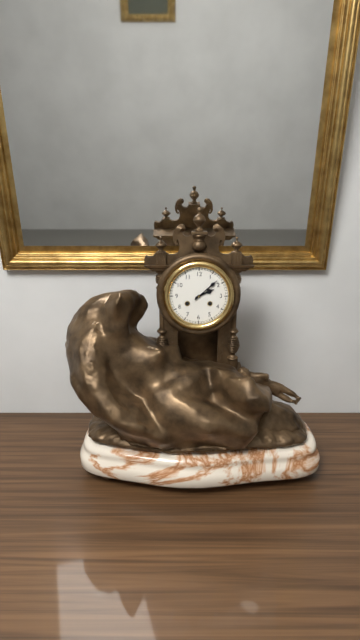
2:08
